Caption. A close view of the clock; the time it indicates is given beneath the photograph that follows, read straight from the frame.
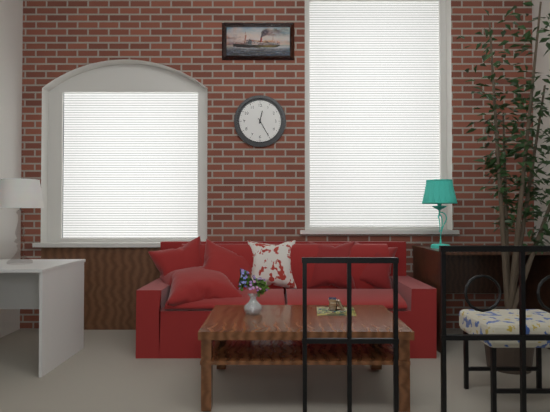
12:25
